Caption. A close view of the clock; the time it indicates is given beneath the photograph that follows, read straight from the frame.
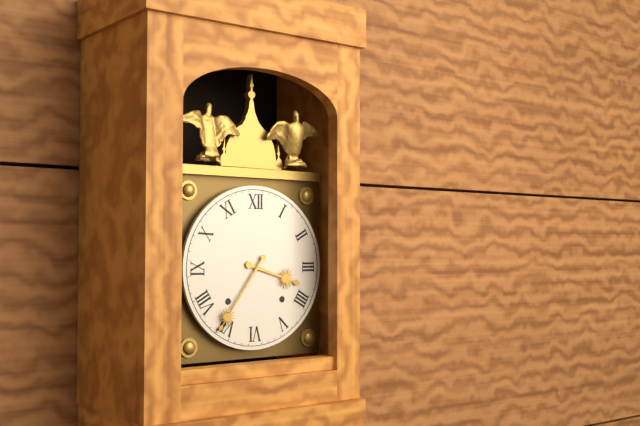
3:36
